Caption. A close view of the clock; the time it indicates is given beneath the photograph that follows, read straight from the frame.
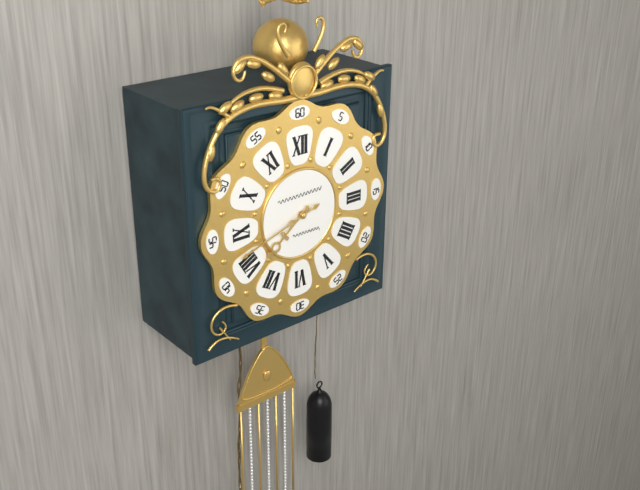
7:42
